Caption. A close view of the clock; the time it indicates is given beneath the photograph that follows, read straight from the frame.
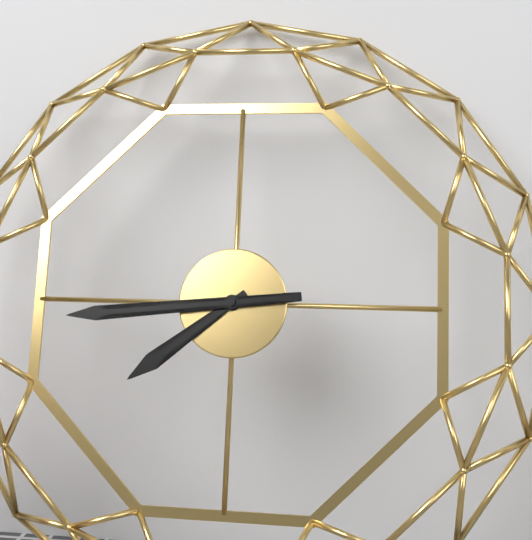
7:44
